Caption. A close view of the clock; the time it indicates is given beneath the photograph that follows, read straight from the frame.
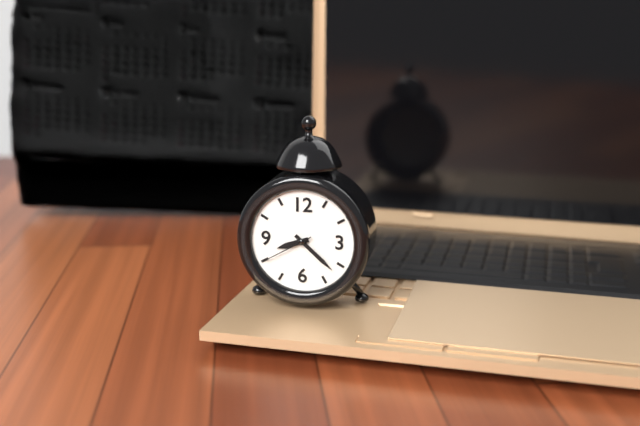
8:22:40
